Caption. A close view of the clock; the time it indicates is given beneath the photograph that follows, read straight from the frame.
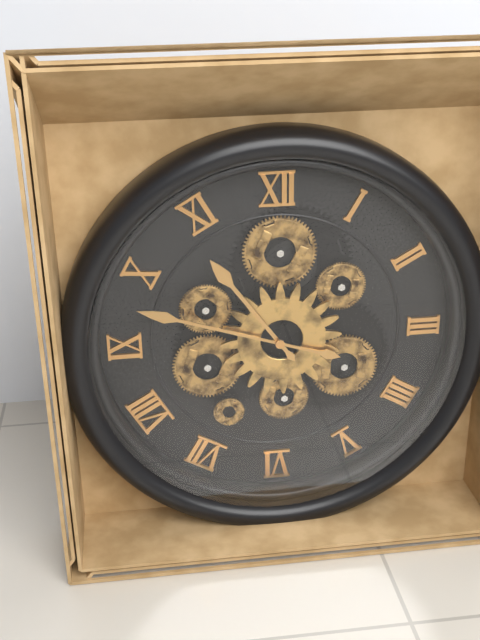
10:48
